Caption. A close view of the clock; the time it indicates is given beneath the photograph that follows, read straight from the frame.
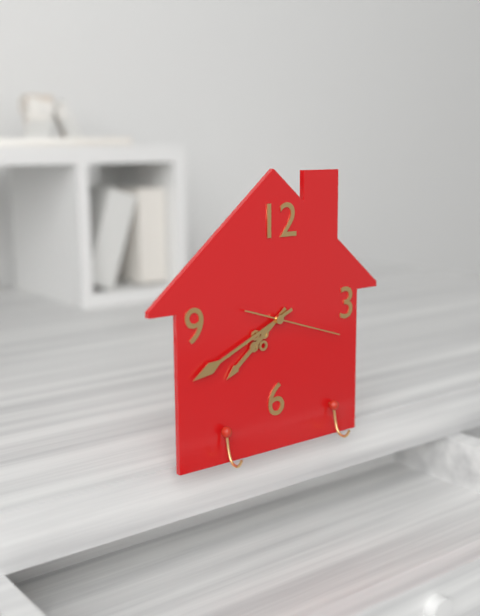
7:41:18
